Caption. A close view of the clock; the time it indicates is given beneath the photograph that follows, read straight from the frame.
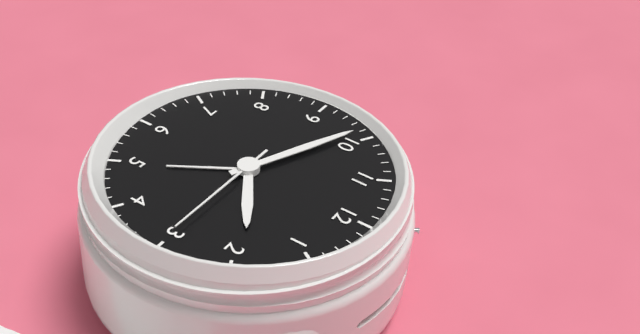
1:49:15
